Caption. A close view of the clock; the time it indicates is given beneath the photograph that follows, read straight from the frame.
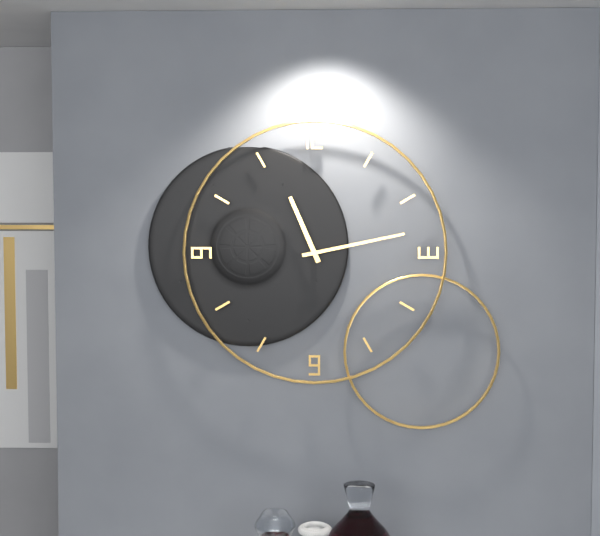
11:13
